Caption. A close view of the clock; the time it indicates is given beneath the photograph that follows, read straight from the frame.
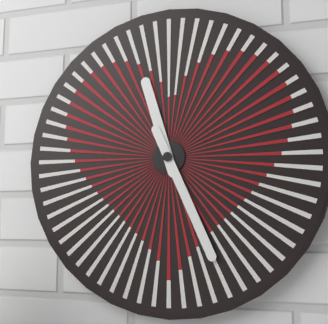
11:26
